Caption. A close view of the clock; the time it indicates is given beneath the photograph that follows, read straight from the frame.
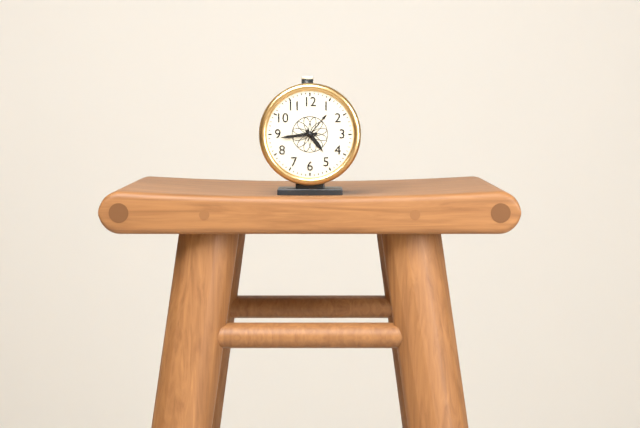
4:44
